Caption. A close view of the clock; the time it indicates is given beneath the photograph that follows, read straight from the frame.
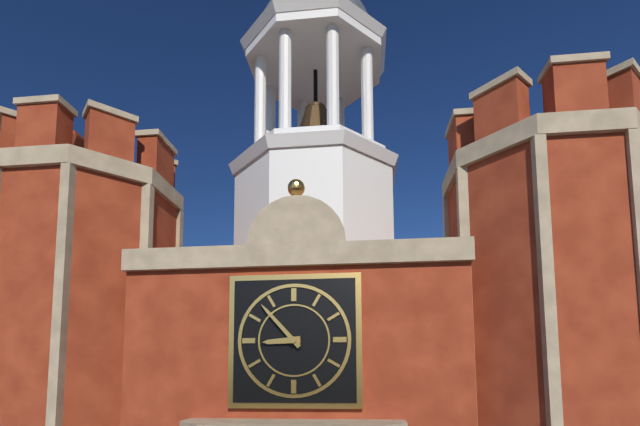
8:53
